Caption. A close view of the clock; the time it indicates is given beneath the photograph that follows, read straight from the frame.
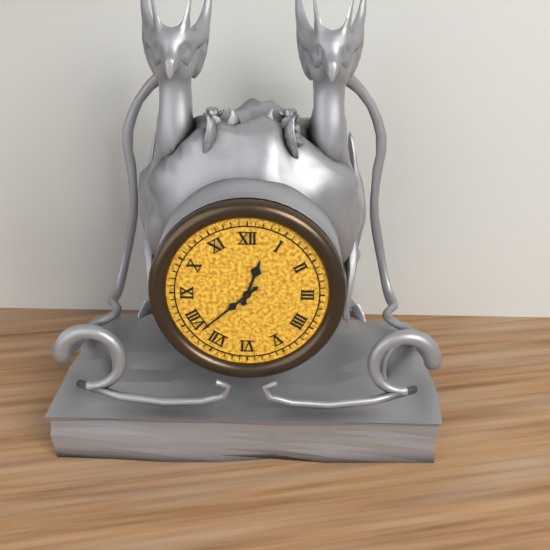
12:38
